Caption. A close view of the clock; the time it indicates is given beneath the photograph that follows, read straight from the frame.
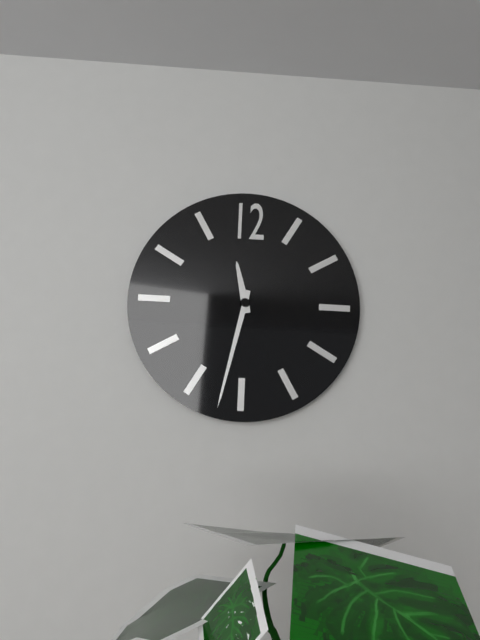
11:32
